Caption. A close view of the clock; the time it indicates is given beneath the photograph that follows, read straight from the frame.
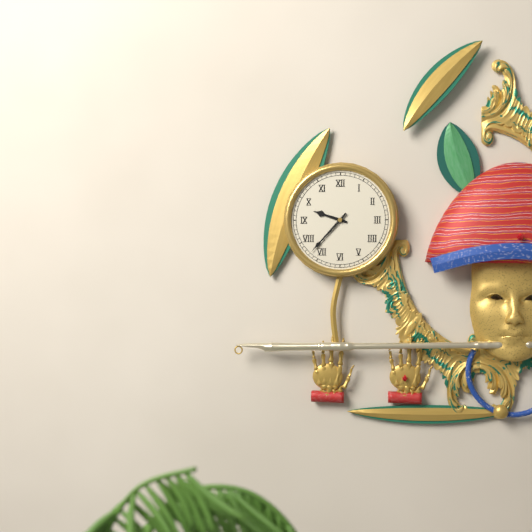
9:37
